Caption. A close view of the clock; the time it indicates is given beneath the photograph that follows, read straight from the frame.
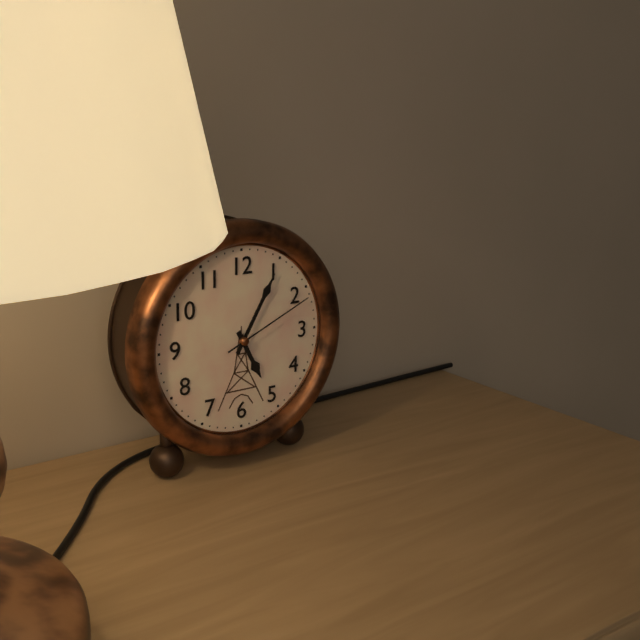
5:05:11
